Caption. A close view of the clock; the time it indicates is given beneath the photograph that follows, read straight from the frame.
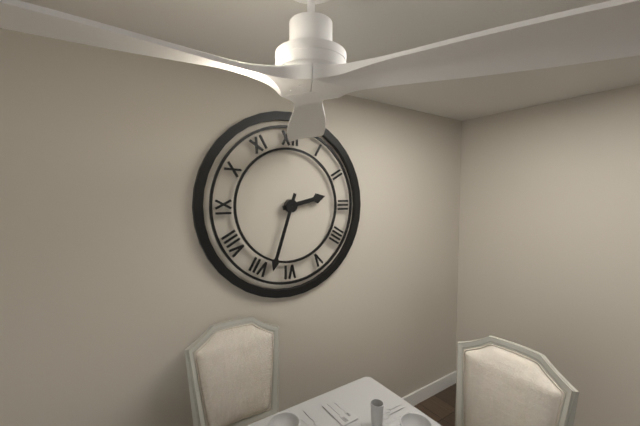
2:33
